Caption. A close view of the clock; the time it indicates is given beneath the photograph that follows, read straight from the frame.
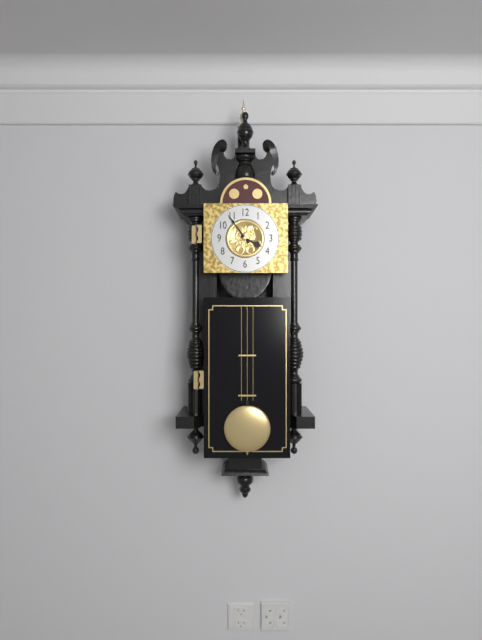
3:54
